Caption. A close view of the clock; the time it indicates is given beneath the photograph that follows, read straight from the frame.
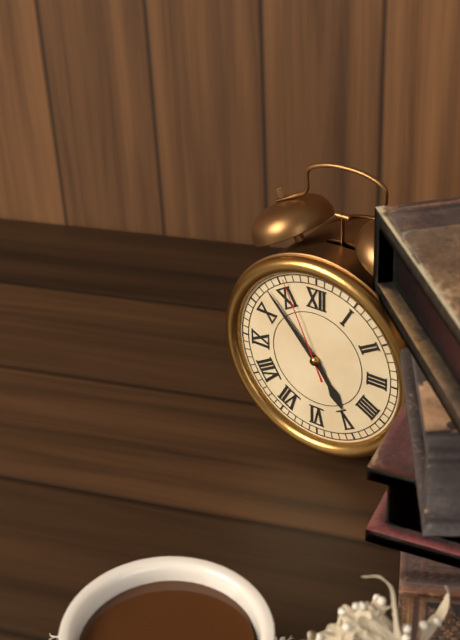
4:53:56
